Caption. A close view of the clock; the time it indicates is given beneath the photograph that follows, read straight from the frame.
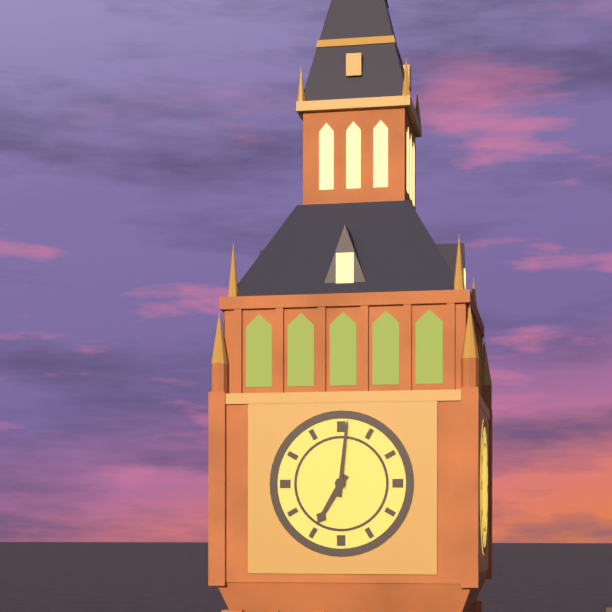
7:01
